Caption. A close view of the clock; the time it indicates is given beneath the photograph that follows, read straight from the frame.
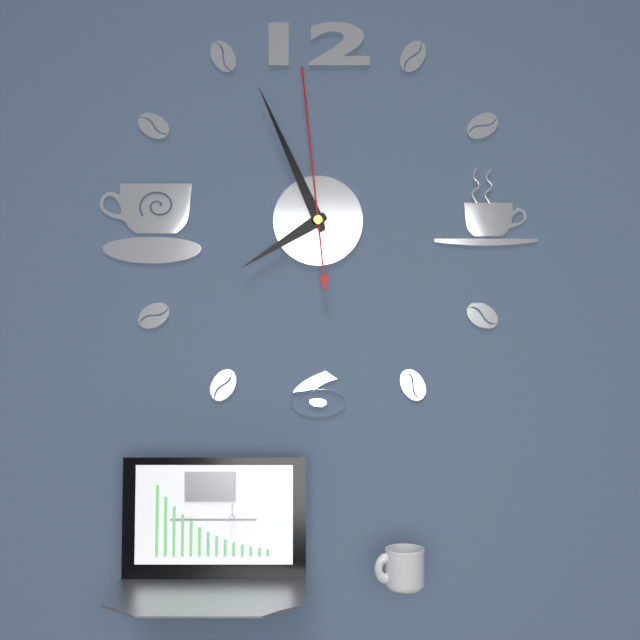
7:56:59
